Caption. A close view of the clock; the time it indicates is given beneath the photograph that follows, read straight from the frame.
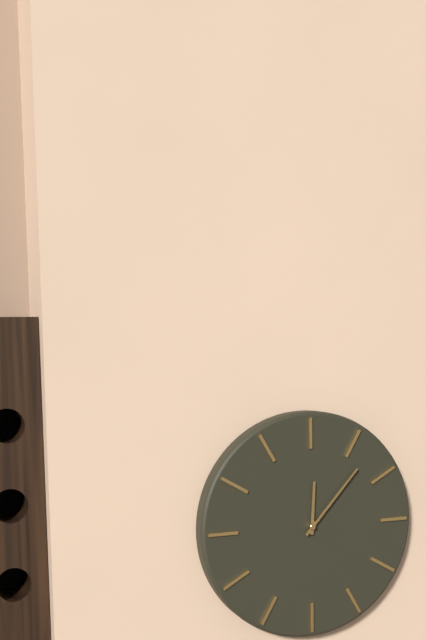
12:07
